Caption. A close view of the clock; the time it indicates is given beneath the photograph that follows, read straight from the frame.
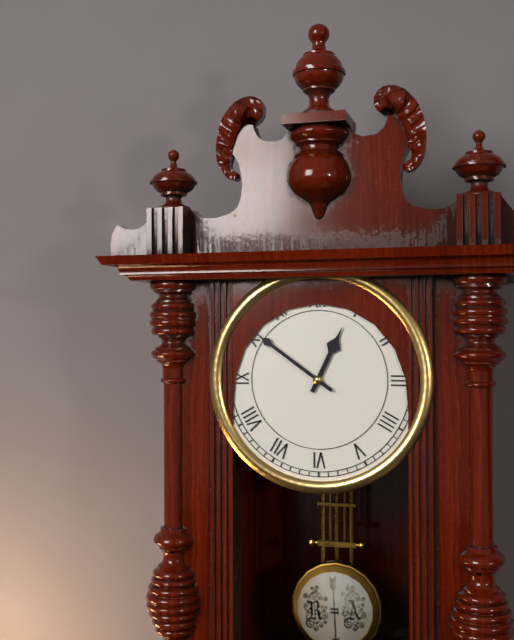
12:51
